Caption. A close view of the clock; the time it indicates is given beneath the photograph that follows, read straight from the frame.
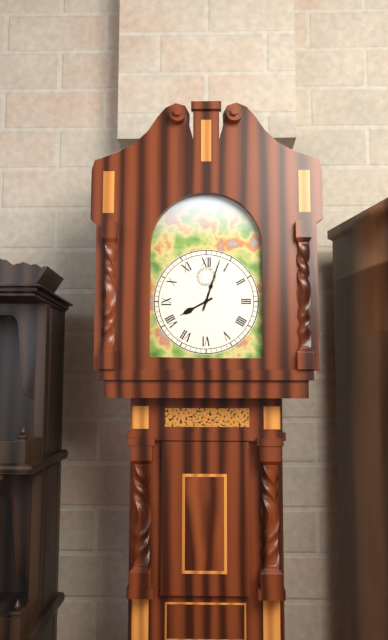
8:03
